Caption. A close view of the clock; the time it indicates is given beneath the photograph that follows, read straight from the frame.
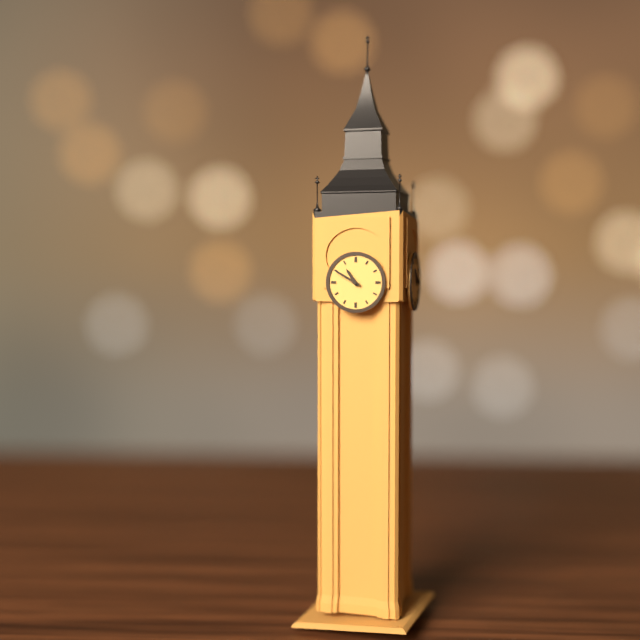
10:50
